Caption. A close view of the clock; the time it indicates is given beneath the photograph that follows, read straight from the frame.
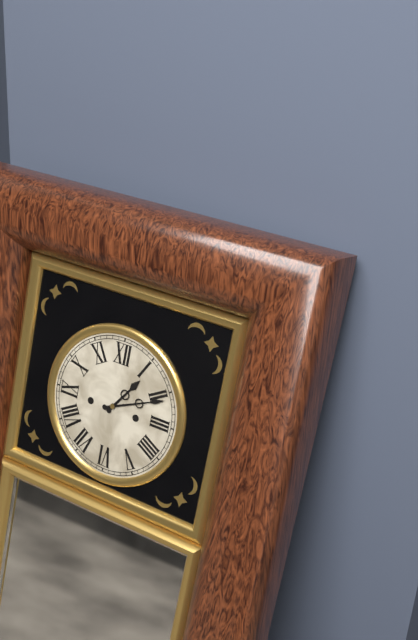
1:11
